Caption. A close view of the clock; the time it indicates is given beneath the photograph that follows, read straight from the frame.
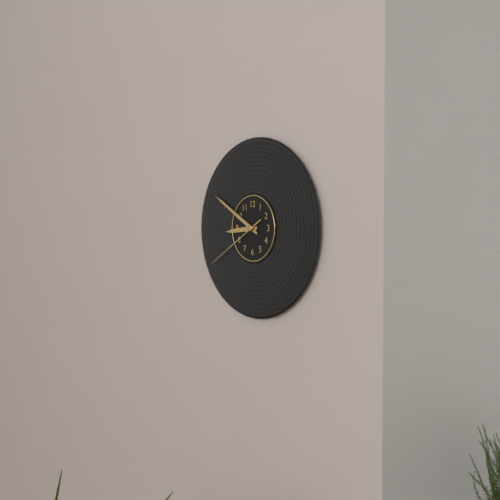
8:50:40
